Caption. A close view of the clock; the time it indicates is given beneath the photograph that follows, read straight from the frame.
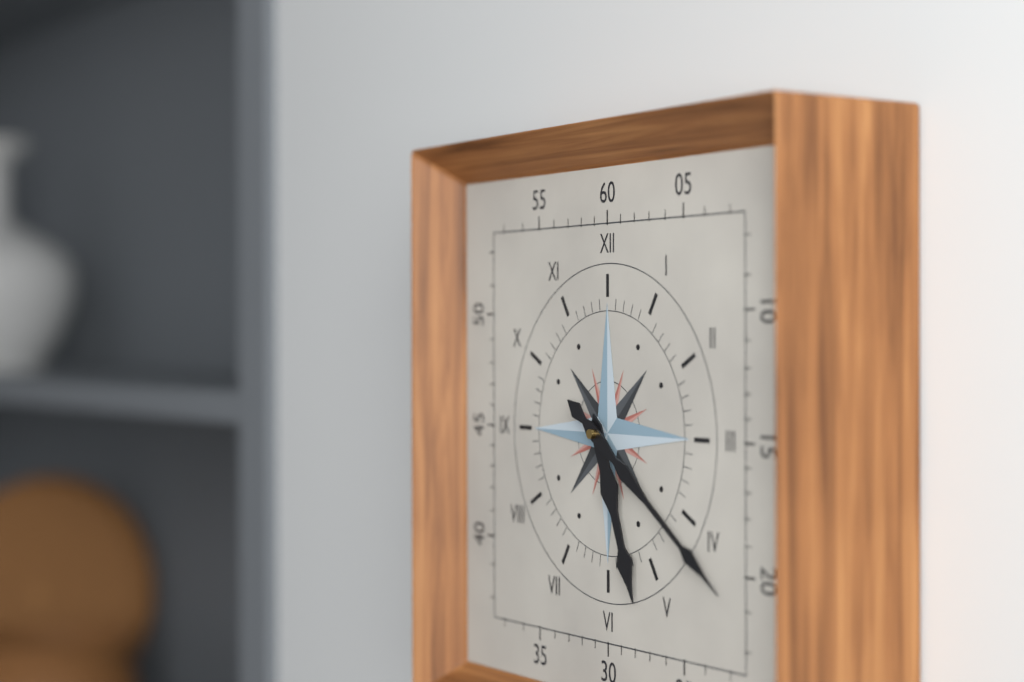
5:21
